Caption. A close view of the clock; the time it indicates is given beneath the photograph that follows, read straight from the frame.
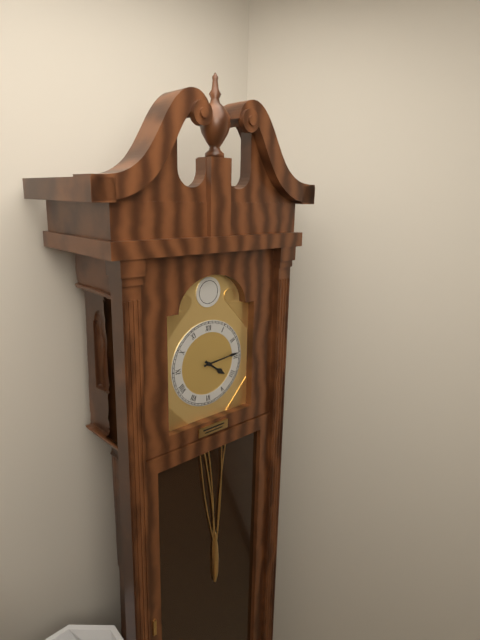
4:14
